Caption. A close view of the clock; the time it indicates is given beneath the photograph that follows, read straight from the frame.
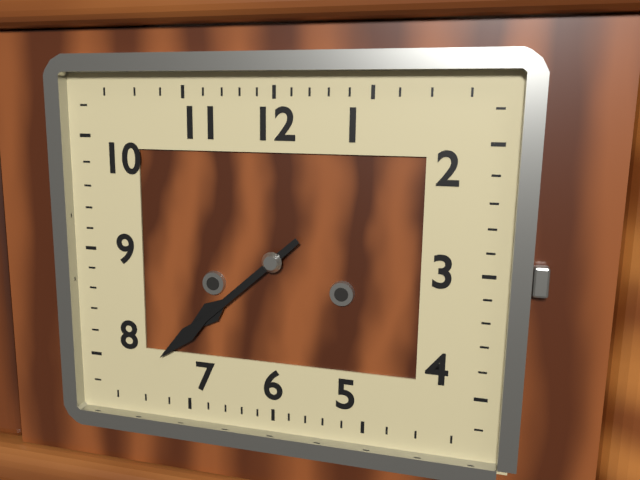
7:38
